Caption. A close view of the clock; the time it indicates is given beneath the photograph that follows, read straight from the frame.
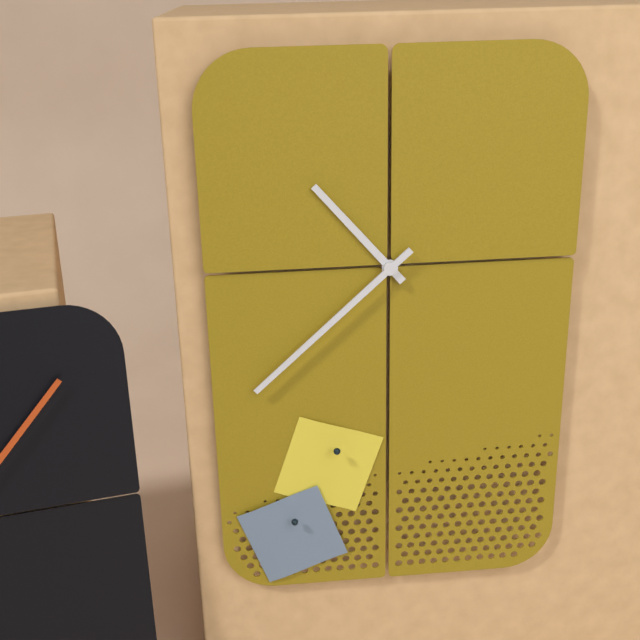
10:38
